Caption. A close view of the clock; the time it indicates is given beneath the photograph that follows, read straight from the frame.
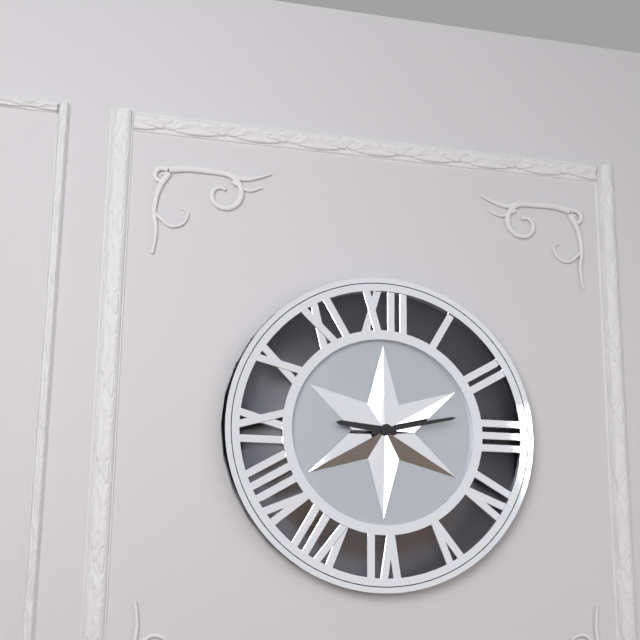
9:13
